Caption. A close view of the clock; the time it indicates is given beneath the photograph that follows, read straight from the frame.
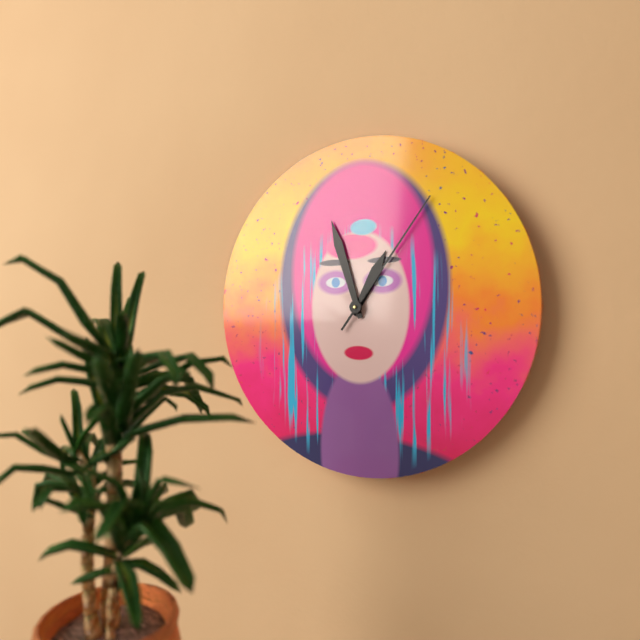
12:57:06
